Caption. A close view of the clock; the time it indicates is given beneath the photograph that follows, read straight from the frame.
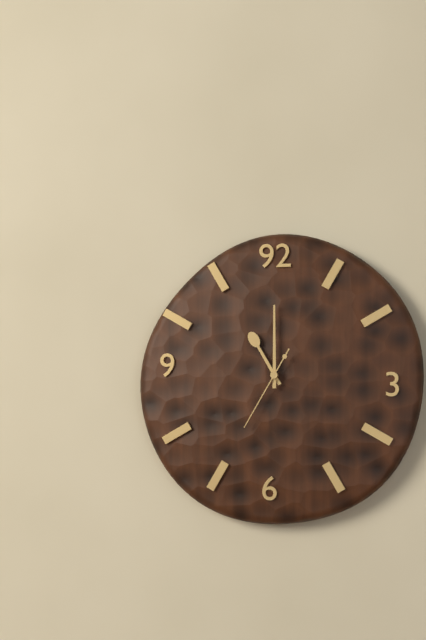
11:00:35
